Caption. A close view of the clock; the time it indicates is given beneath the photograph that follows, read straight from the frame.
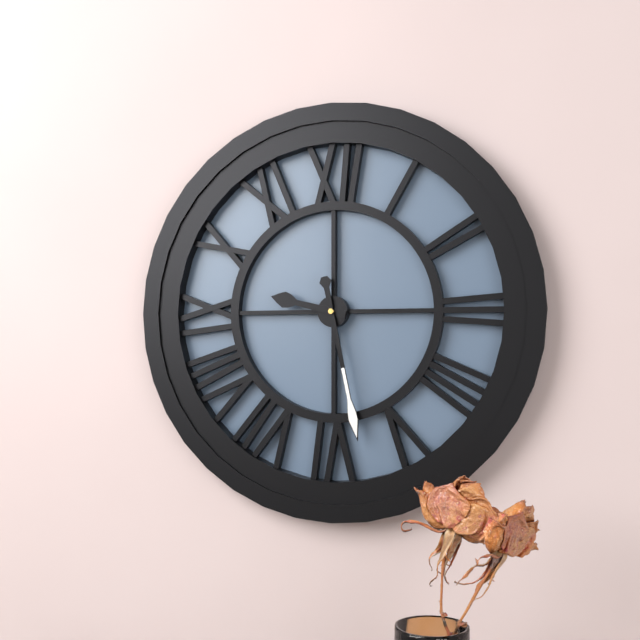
9:28
